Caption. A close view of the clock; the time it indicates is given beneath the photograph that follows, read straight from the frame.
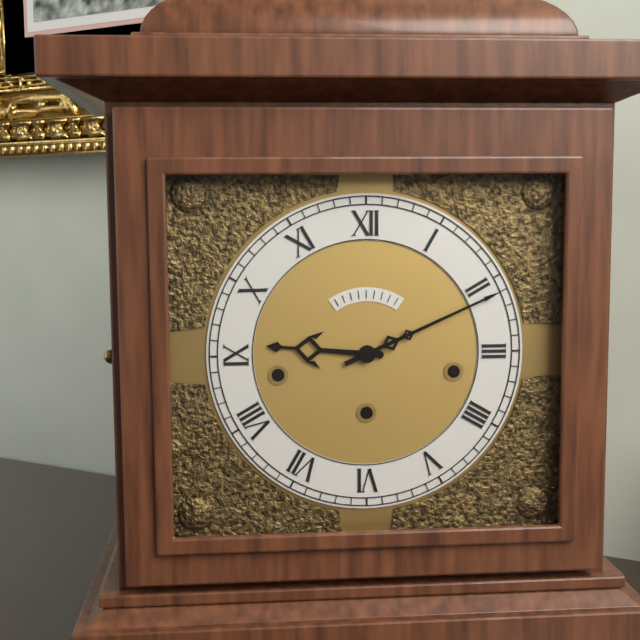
9:11
